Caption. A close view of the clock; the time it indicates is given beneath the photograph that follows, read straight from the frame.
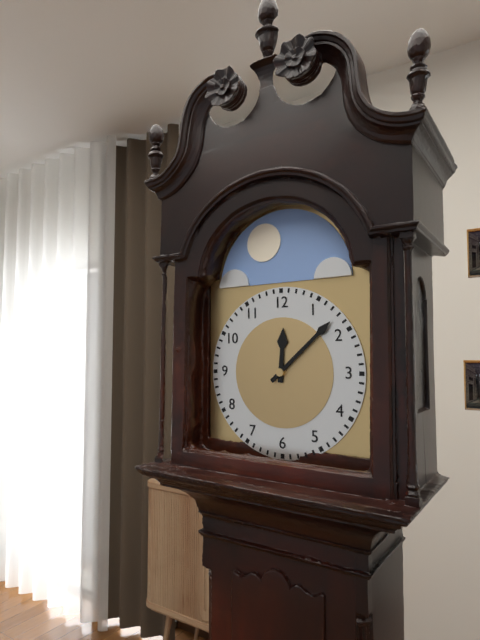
12:08
